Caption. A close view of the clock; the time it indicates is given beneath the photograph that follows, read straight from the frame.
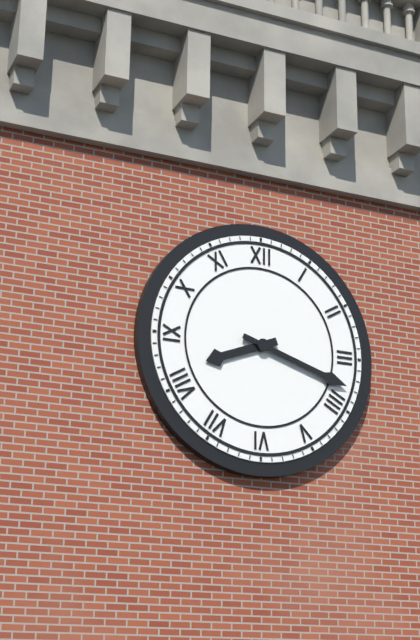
8:18
